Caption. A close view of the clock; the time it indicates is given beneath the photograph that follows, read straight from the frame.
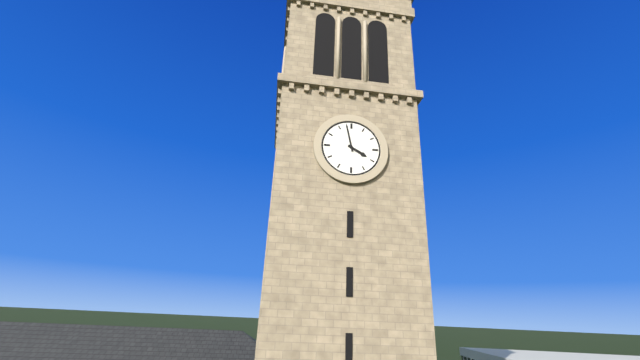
3:58
